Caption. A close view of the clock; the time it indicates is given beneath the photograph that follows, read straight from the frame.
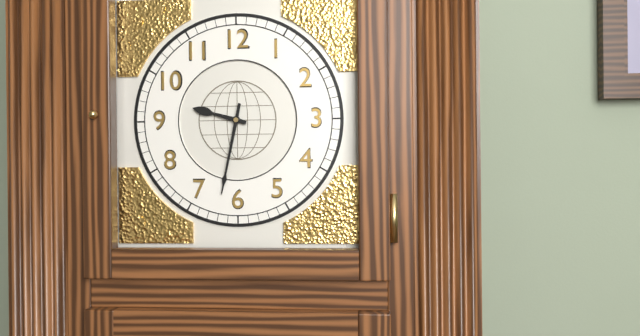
9:32
